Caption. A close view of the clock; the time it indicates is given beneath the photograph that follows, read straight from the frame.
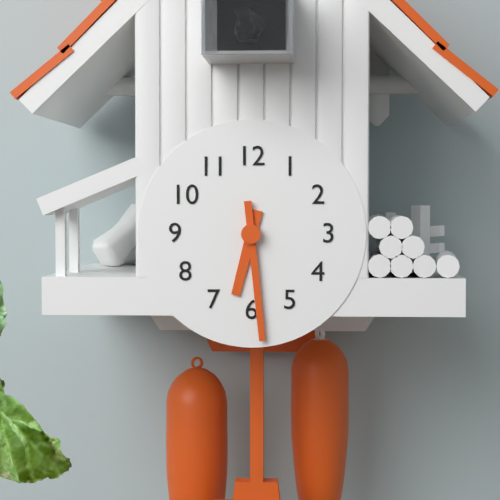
6:29
